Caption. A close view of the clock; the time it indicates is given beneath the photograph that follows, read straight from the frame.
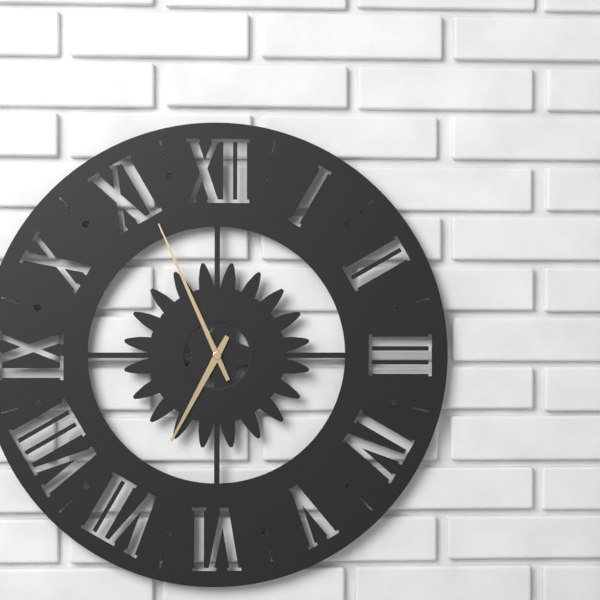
6:56
